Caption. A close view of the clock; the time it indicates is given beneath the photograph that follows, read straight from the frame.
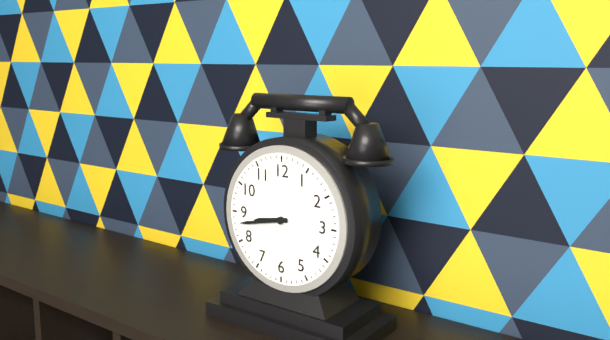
8:43
